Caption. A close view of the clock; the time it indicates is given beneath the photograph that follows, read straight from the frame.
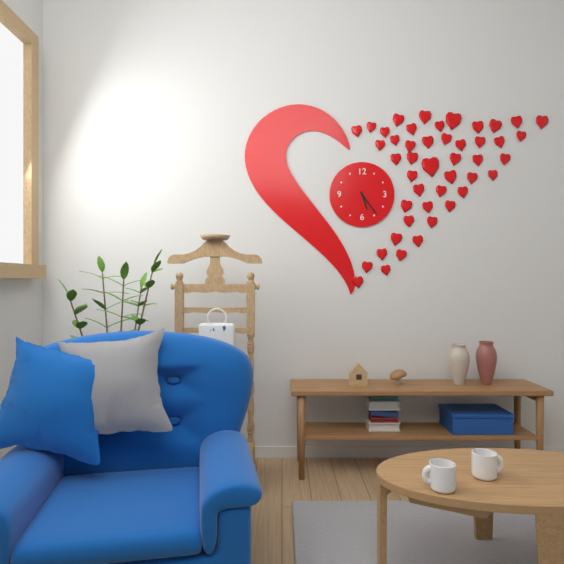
5:24
